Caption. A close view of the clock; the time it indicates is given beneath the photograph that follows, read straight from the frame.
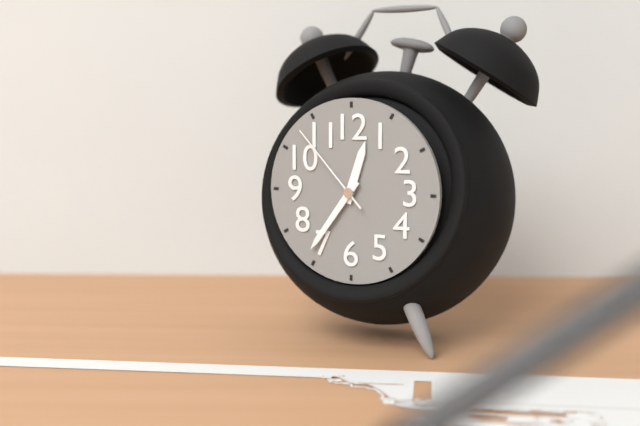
12:36:53
